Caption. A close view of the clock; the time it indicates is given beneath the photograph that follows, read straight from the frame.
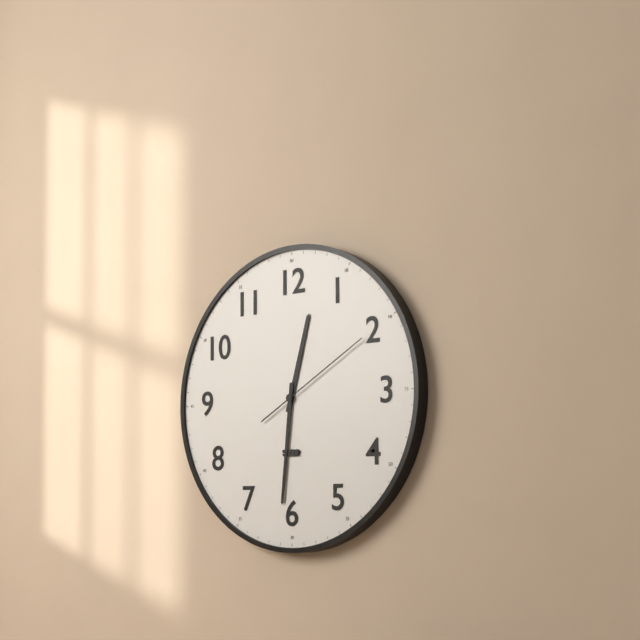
12:31:10
